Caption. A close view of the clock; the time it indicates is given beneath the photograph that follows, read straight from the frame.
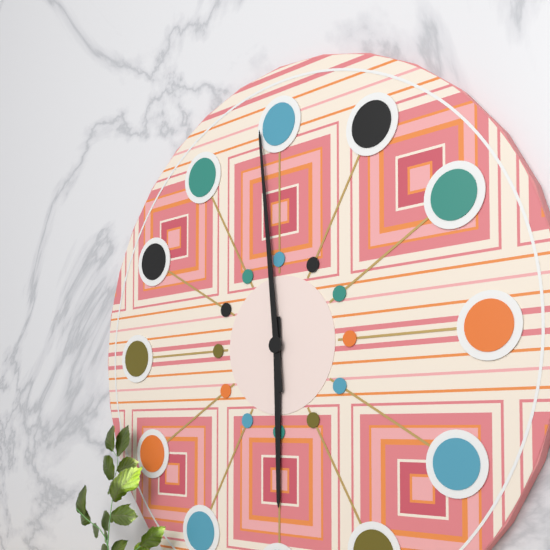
5:59
